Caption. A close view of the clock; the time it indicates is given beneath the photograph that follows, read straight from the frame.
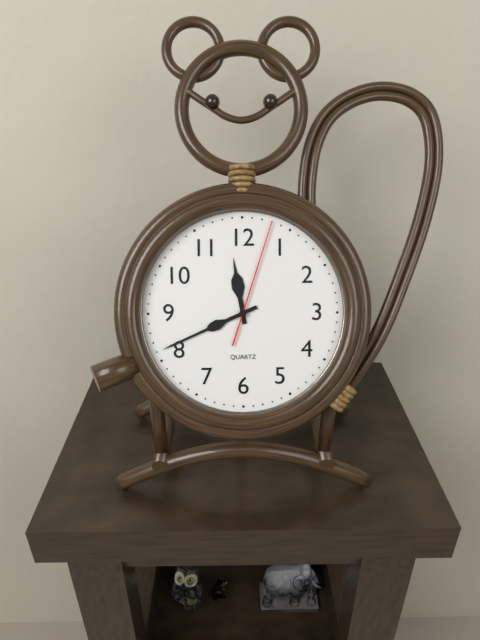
11:41:03
